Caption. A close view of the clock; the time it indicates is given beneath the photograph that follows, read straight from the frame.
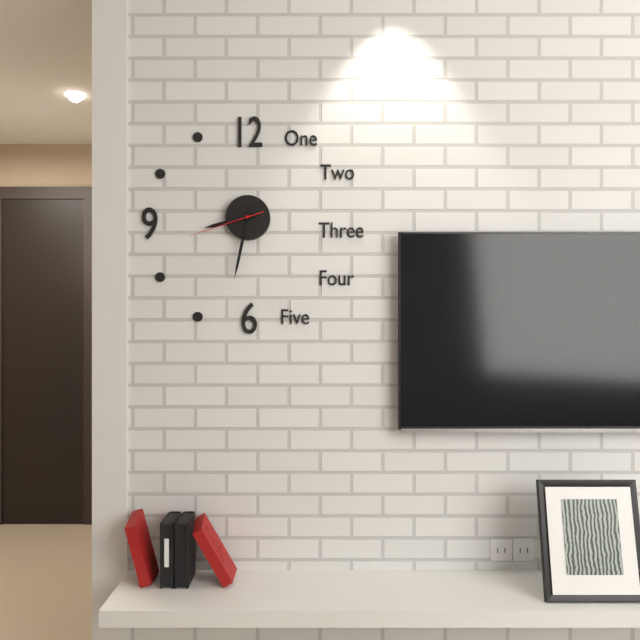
8:32:42
